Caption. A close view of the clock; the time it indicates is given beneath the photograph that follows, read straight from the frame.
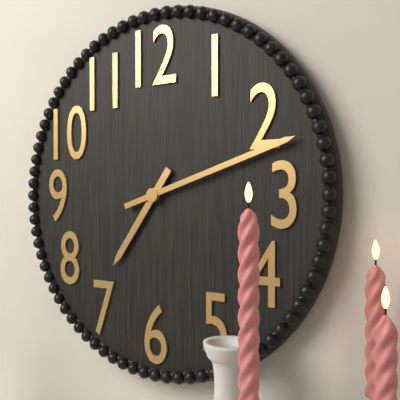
7:12
